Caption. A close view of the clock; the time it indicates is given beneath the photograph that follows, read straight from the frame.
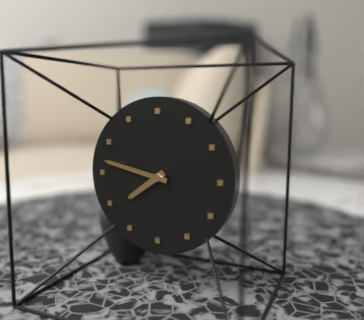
7:47
